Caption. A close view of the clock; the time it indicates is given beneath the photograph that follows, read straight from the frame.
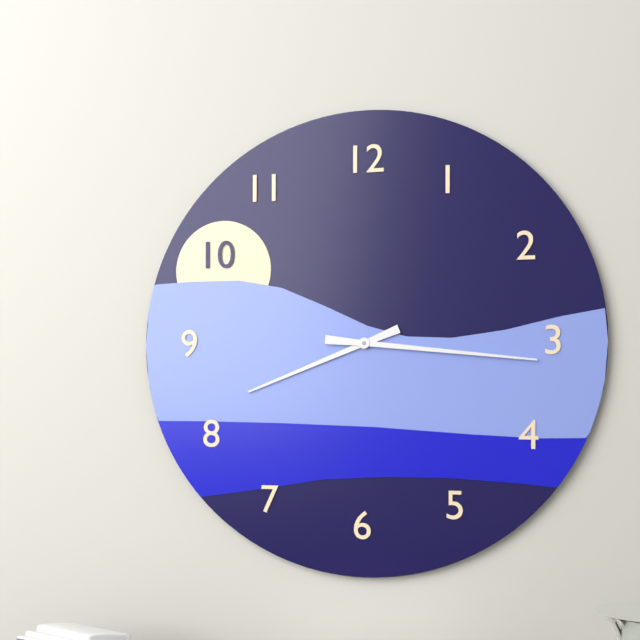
8:16
